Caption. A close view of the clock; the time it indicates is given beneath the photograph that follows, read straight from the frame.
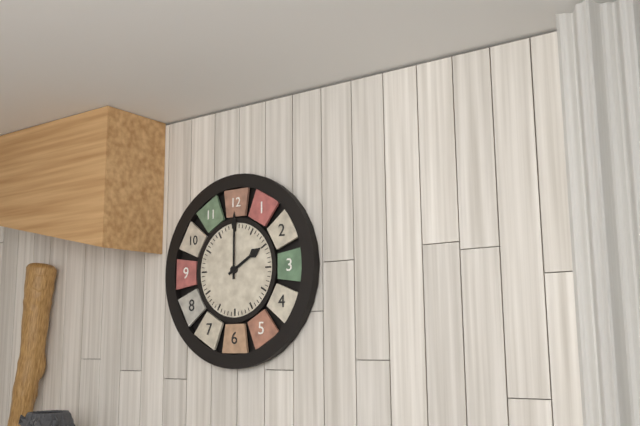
2:00
